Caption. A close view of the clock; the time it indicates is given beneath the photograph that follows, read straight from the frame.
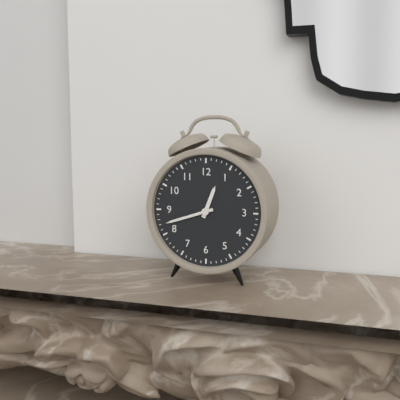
12:42
